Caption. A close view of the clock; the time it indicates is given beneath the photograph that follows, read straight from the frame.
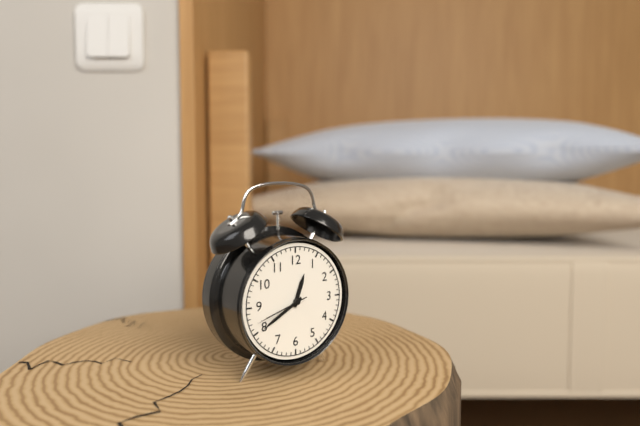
12:40:42
